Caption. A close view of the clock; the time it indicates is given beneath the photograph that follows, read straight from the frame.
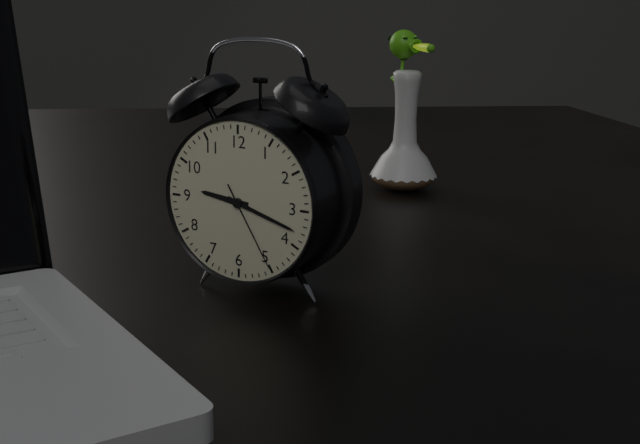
9:18:25
